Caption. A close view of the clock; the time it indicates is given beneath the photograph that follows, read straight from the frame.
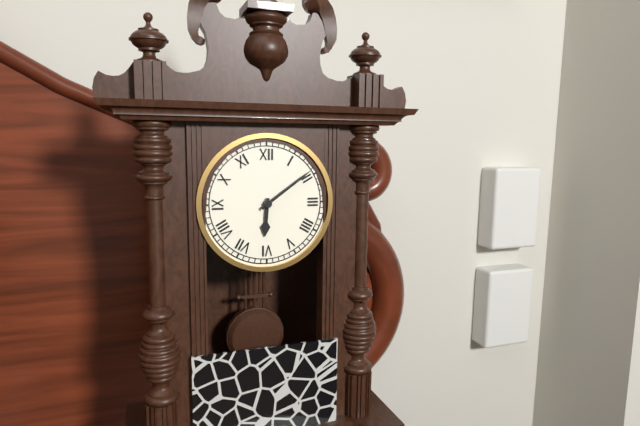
6:09
